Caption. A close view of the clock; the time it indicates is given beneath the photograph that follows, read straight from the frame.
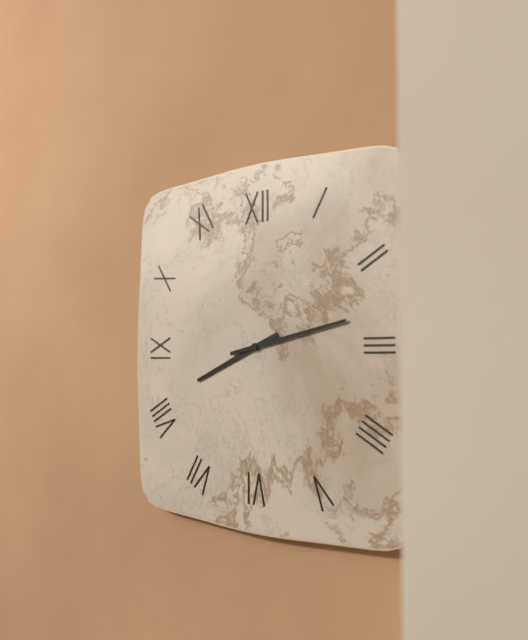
8:13
